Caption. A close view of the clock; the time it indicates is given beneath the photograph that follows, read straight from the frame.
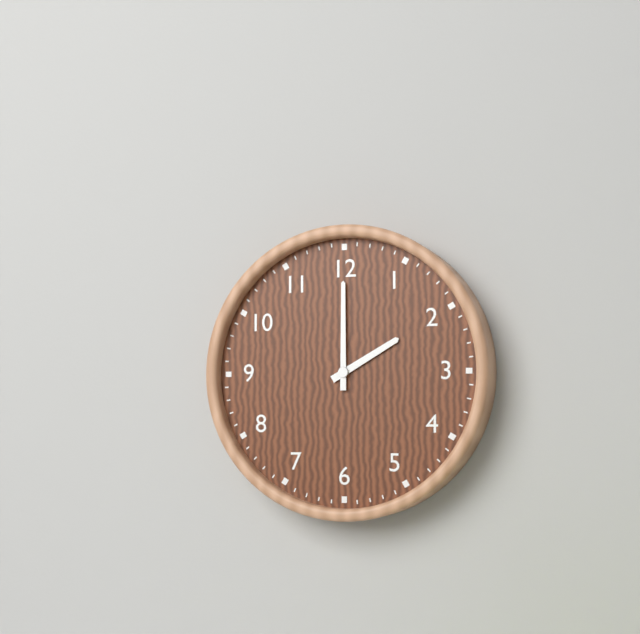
2:00
